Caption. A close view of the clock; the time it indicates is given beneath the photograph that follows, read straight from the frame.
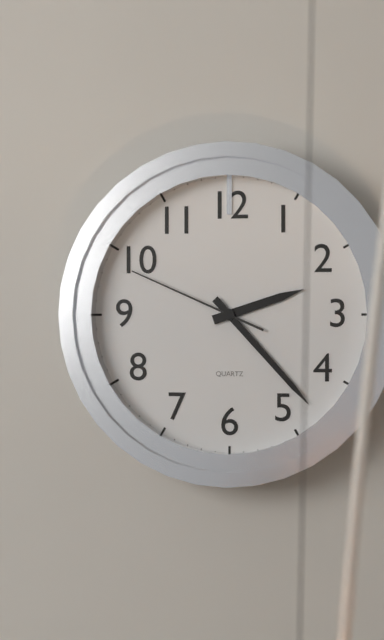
2:23:49
